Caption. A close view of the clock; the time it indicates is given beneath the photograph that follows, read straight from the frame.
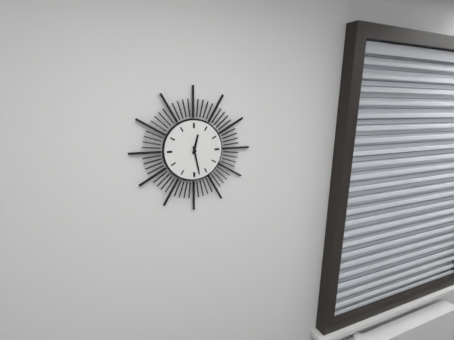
12:28
